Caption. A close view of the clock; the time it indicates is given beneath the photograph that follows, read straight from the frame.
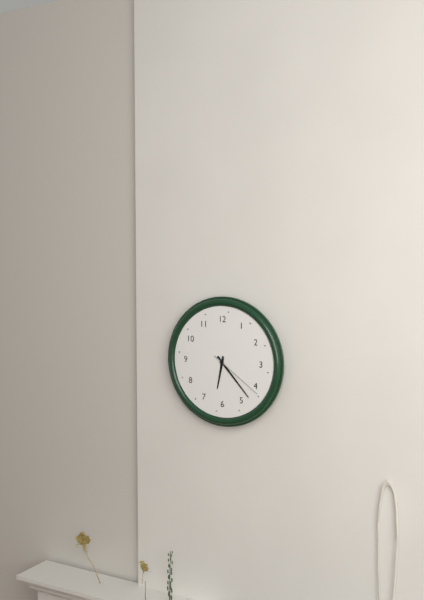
6:23:21
